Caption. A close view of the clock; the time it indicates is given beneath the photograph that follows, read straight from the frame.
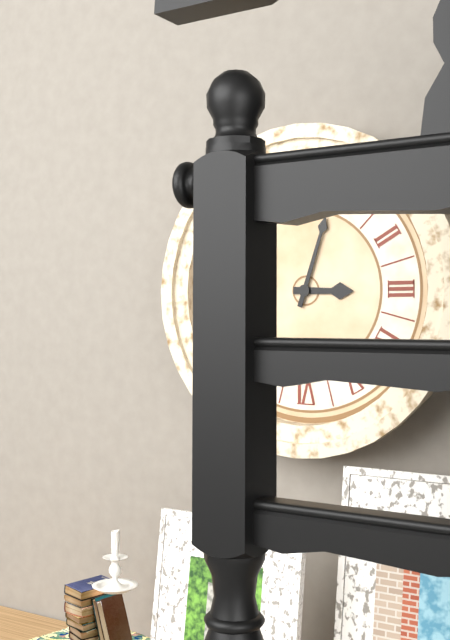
3:03
